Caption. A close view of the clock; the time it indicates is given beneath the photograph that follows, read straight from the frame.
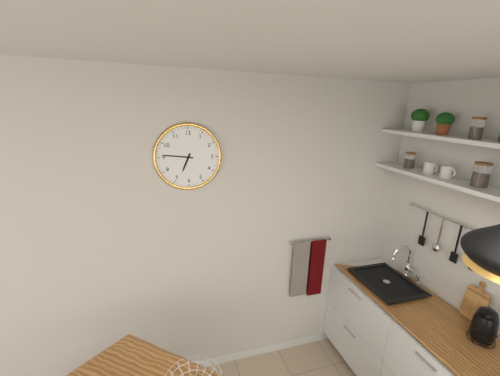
6:46
